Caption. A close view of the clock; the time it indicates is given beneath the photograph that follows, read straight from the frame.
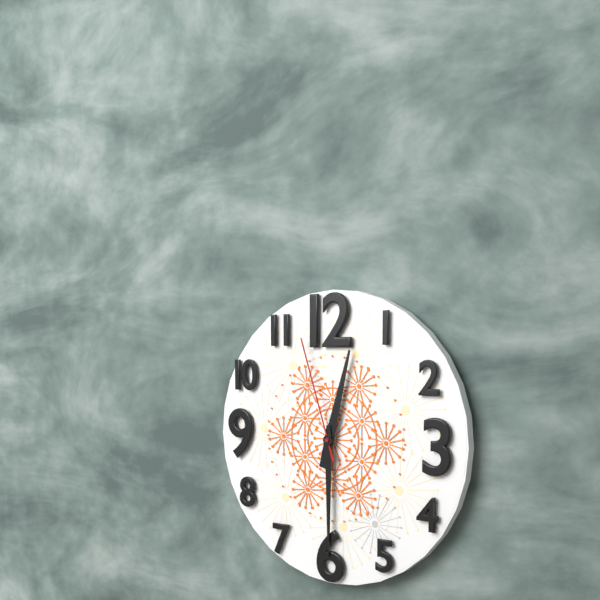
12:30:57
